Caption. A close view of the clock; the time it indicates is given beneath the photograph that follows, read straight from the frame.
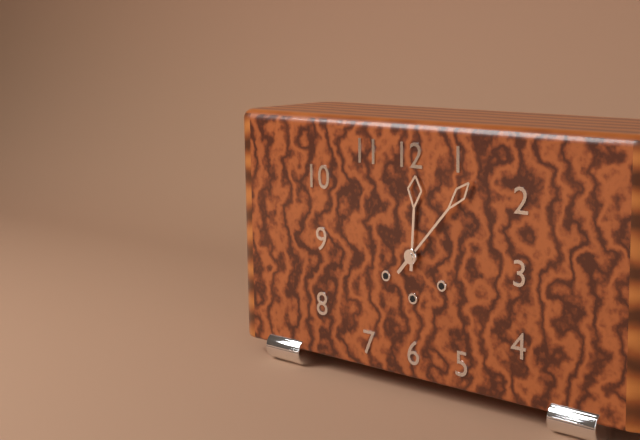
12:07
